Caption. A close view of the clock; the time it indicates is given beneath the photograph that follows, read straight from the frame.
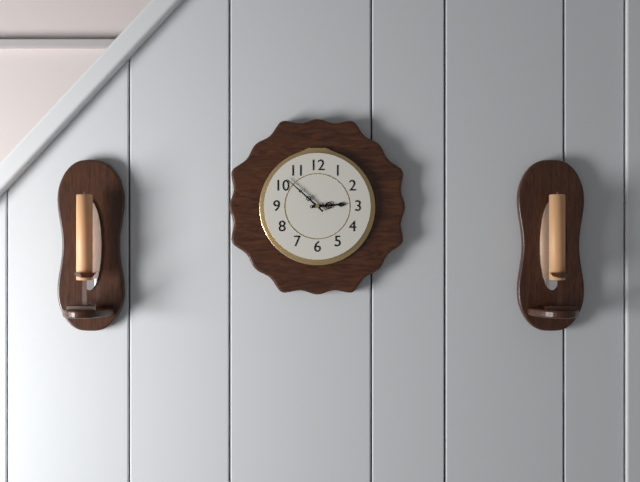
2:52
